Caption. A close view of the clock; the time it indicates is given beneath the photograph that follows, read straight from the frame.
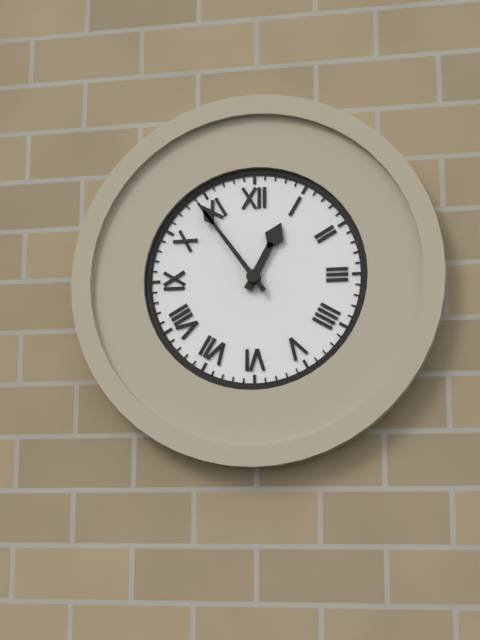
12:54
